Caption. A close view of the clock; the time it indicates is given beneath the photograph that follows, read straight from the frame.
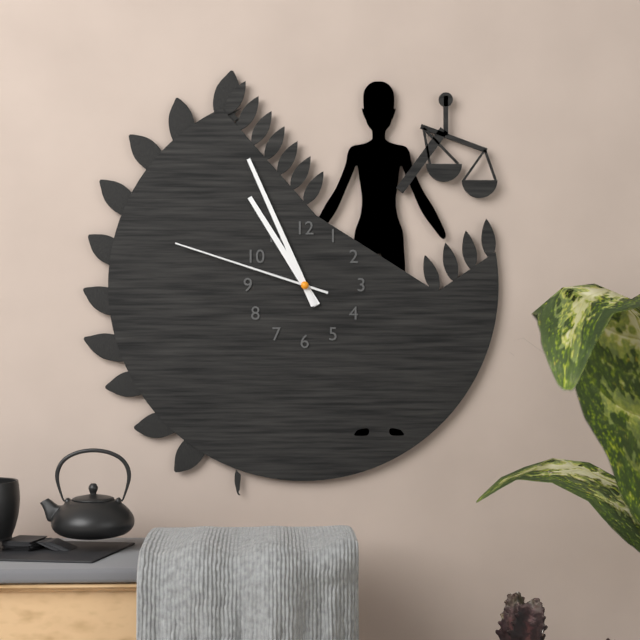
10:56:48
